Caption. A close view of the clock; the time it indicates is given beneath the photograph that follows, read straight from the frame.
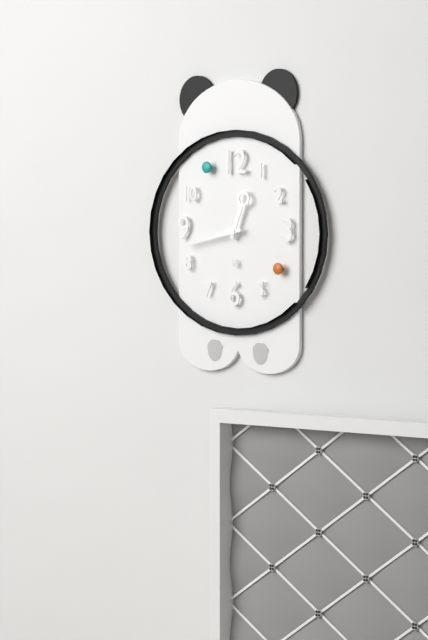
12:43
